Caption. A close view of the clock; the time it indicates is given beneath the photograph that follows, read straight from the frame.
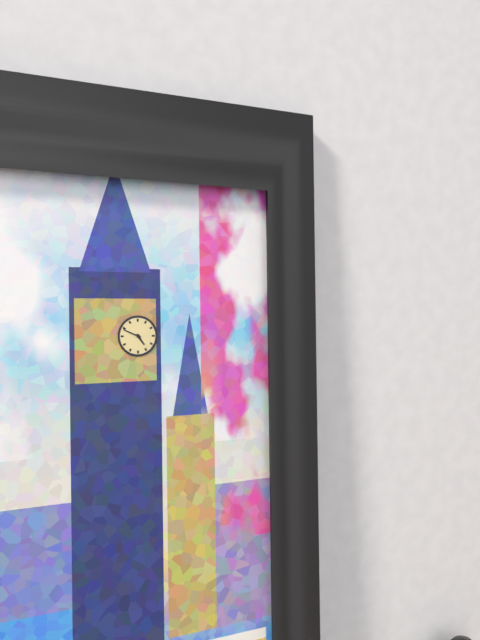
4:49
